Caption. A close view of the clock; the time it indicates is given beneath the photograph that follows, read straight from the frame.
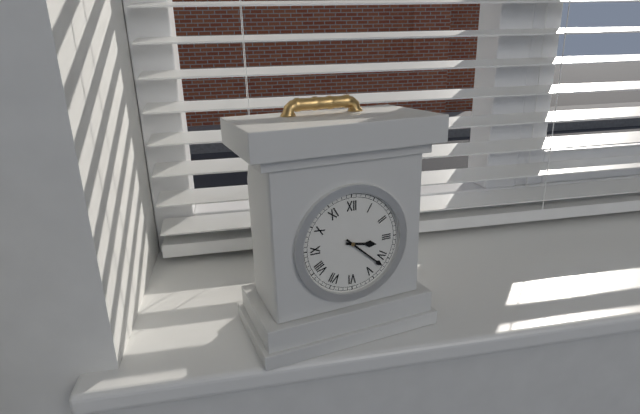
3:22
